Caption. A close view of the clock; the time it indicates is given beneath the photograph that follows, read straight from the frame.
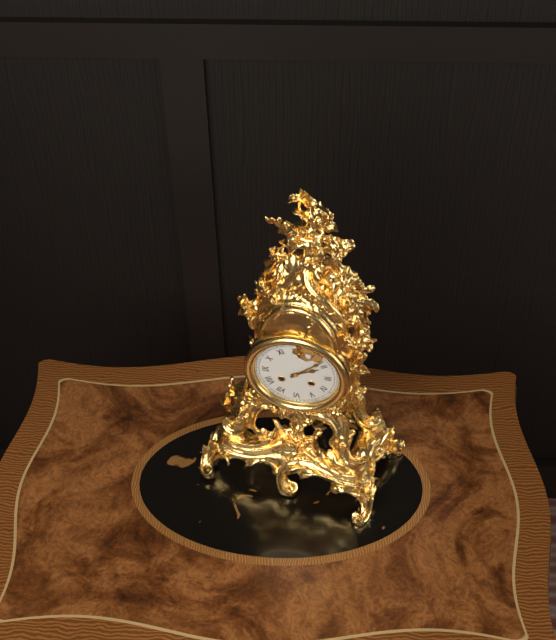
2:08
